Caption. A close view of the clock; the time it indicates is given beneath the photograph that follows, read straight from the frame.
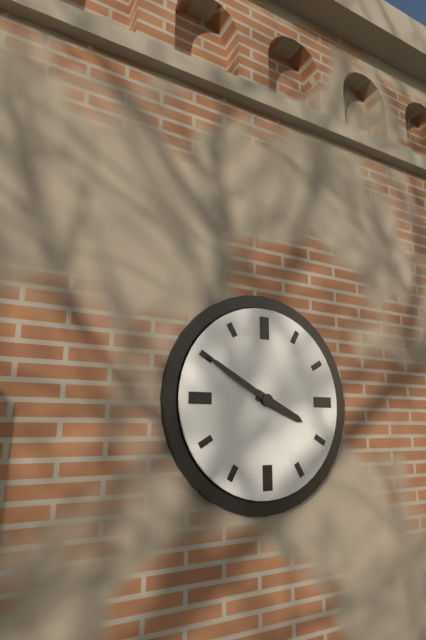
3:50
